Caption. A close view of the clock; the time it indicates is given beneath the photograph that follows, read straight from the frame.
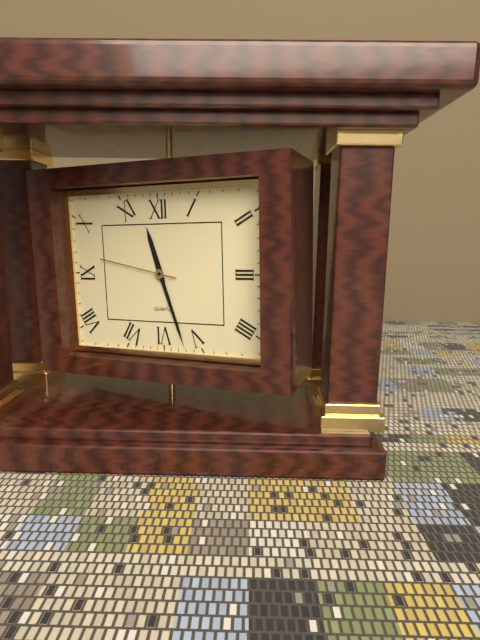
11:27:47
